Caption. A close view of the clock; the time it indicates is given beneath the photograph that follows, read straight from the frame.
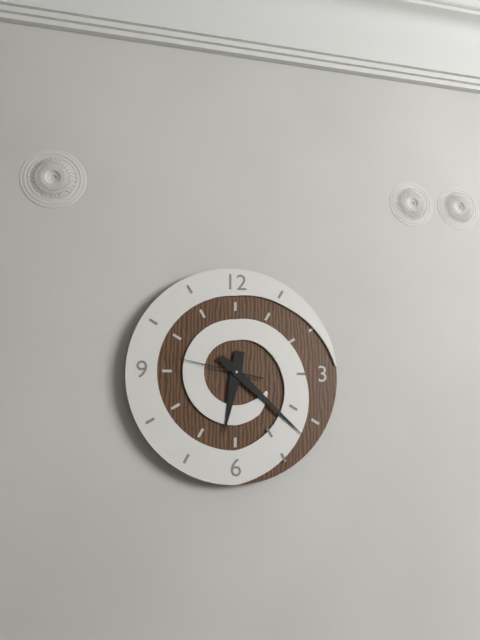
6:22:47
